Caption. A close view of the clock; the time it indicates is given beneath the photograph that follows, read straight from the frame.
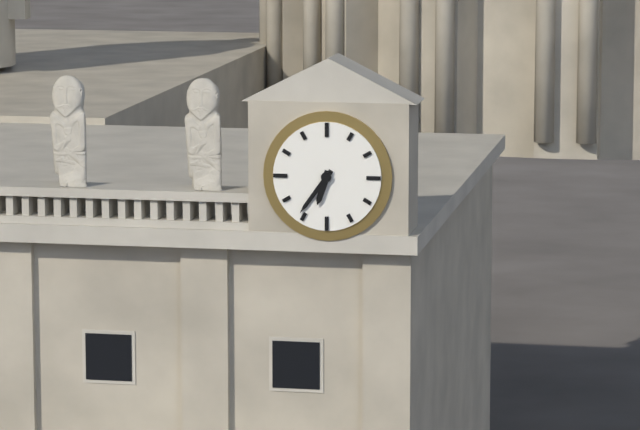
6:36
